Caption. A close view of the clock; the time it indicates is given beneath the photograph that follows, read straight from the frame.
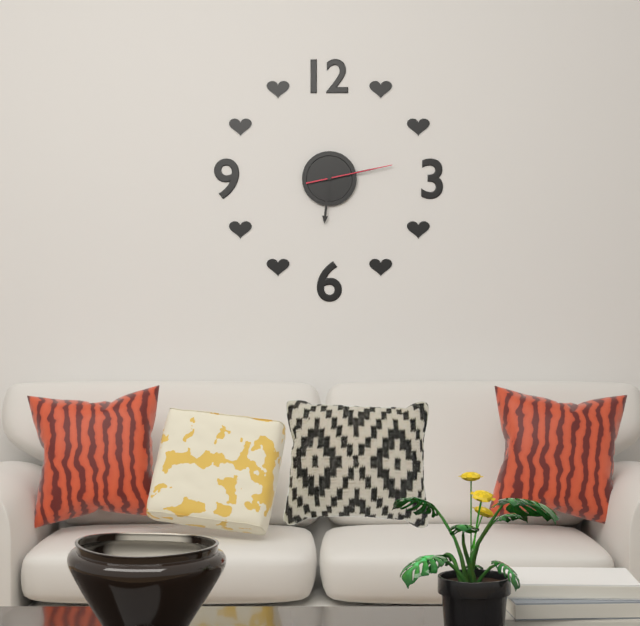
6:13:13
